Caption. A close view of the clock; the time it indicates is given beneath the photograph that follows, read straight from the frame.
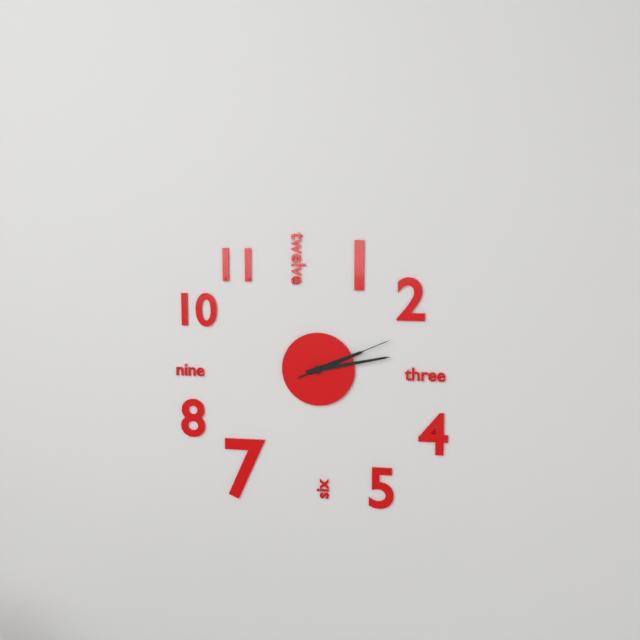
2:13:11
